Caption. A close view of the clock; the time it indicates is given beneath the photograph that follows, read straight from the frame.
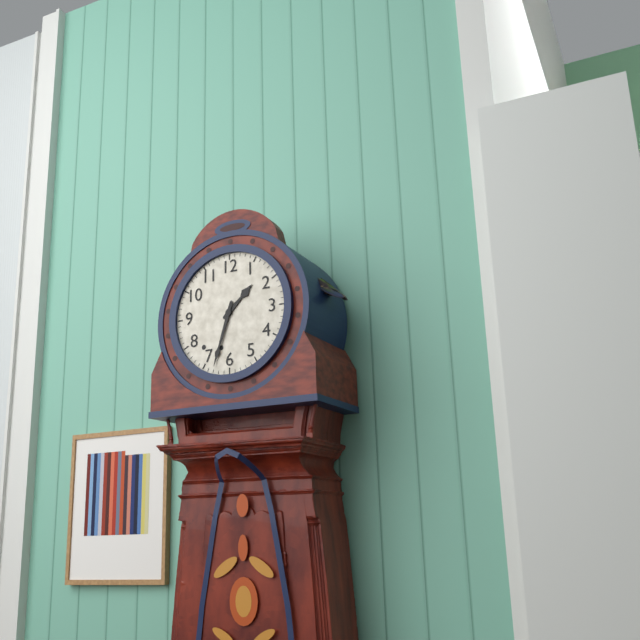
1:33
